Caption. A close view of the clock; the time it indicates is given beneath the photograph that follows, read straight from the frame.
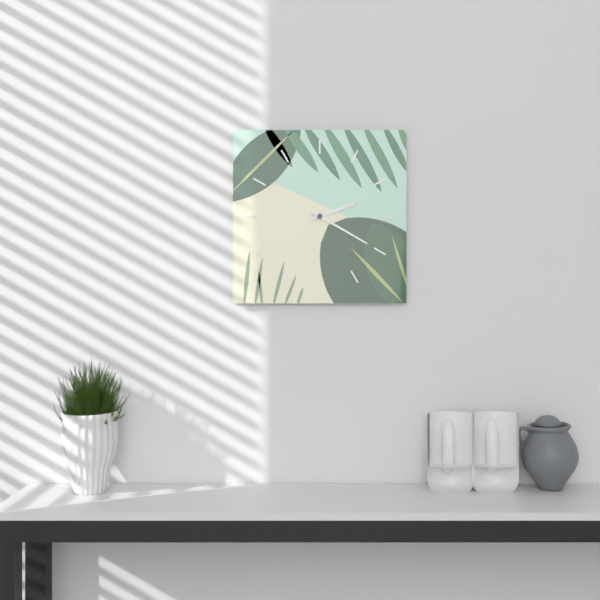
2:20
